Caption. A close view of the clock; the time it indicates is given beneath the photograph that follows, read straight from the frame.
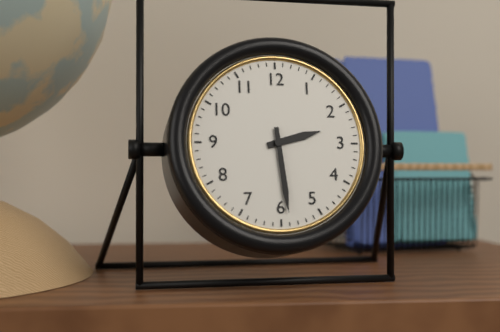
2:29
